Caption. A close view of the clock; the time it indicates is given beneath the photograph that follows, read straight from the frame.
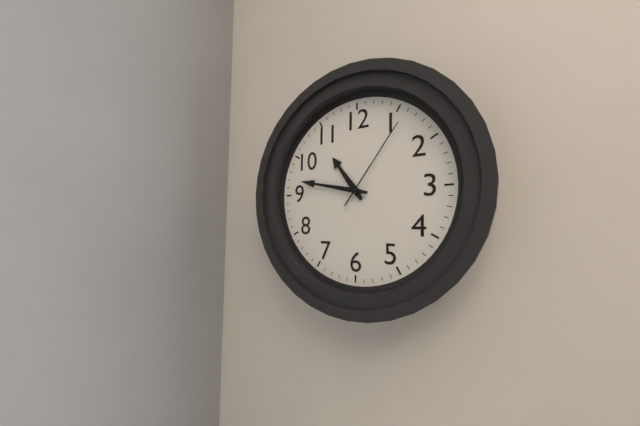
10:47:06
